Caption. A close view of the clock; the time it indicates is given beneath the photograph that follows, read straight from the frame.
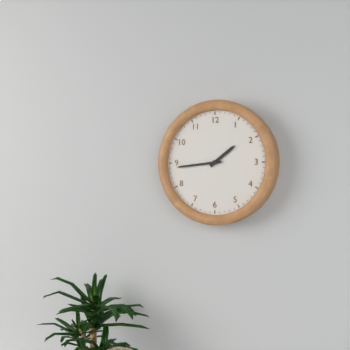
1:44
